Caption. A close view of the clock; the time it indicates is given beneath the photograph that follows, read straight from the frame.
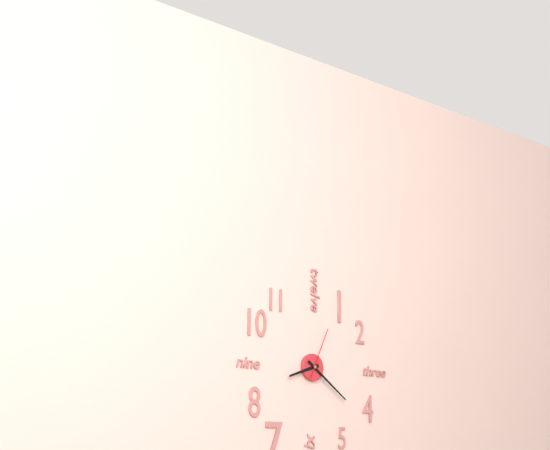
8:21:04
